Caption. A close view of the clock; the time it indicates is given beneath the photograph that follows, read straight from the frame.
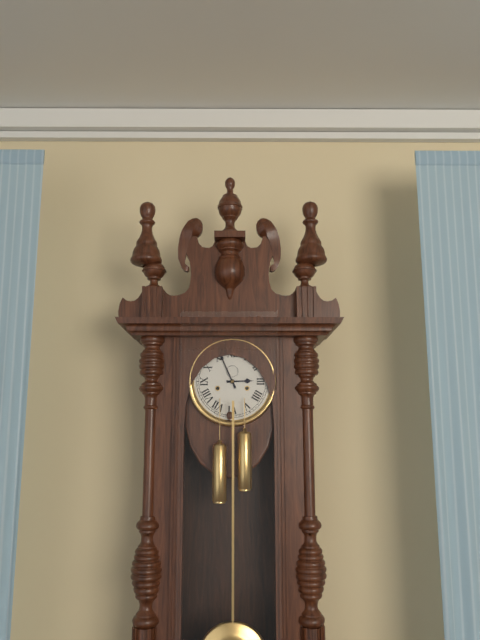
2:56
